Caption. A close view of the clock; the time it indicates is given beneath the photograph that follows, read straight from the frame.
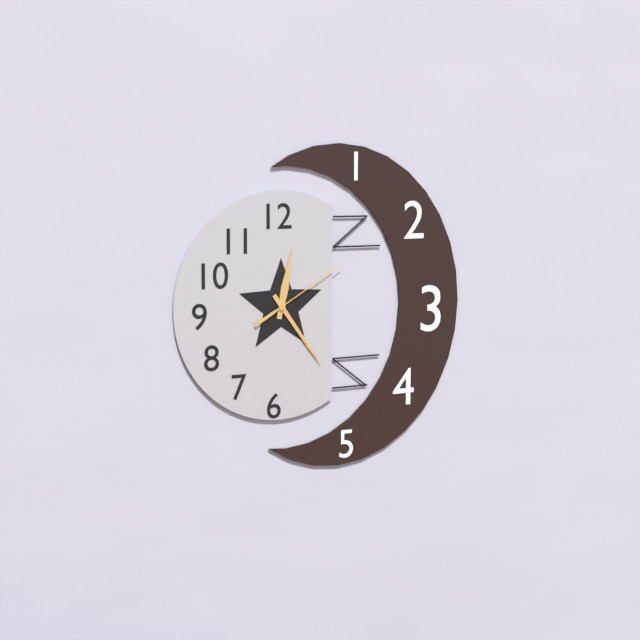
12:24:10
